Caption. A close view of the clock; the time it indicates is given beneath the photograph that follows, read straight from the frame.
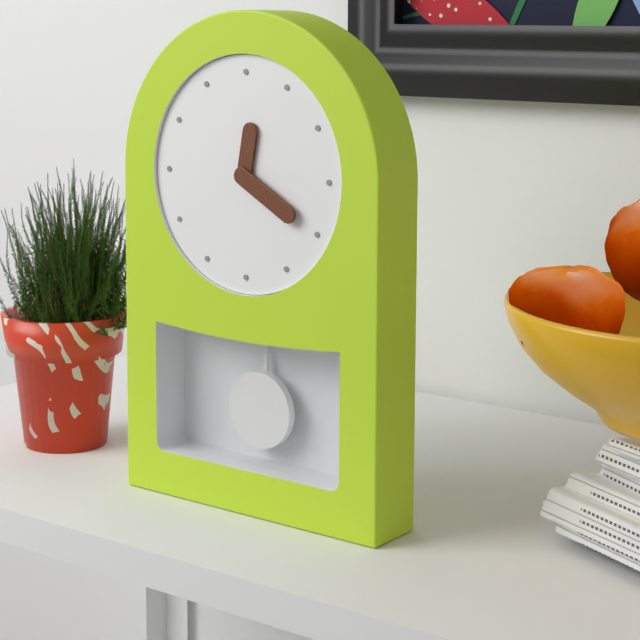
12:20
